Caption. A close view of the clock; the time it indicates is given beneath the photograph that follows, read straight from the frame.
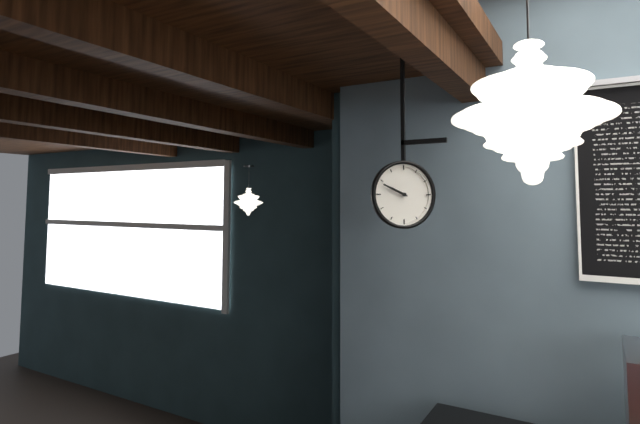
9:49
